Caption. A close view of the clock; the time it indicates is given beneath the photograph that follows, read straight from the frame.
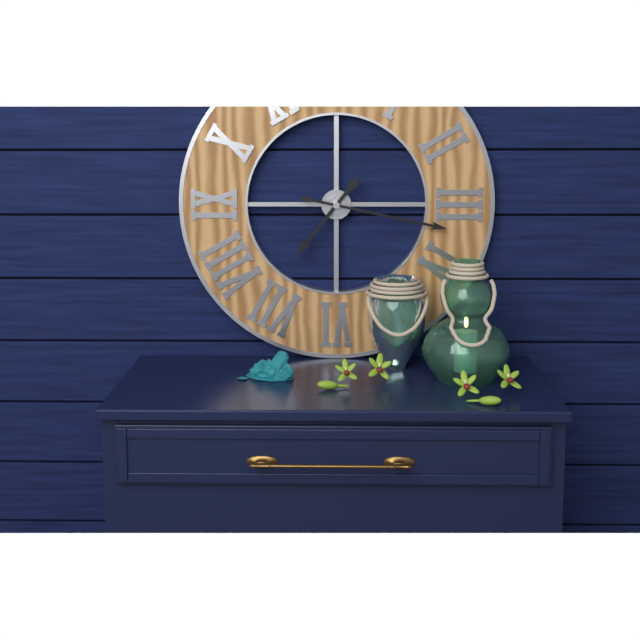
7:17
